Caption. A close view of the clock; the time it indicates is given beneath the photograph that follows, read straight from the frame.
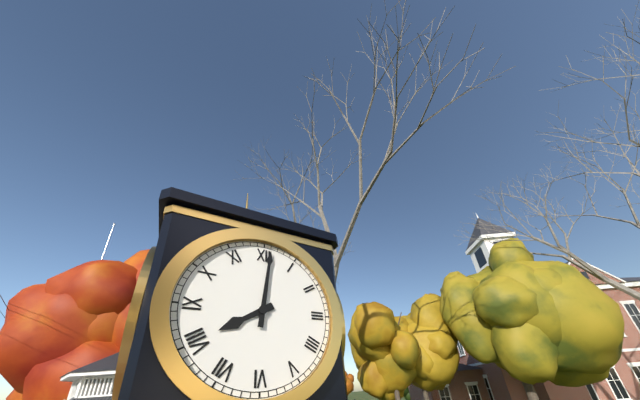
8:01
